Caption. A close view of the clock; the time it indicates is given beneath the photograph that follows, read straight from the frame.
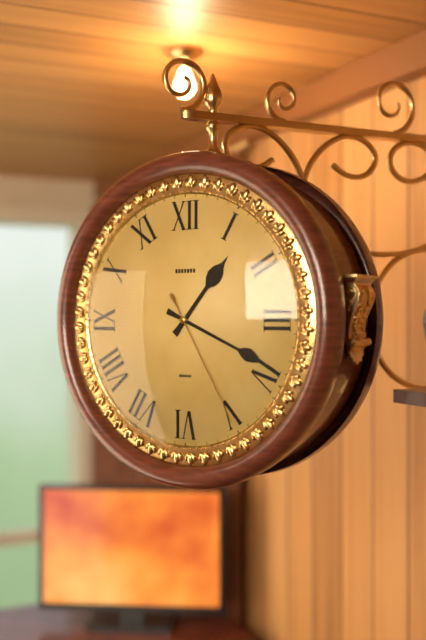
1:19:25
